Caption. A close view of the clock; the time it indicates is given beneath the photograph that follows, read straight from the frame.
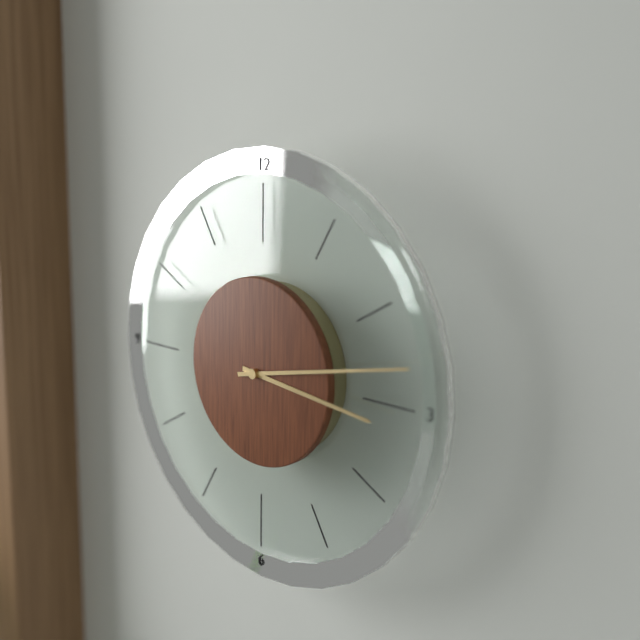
3:13
